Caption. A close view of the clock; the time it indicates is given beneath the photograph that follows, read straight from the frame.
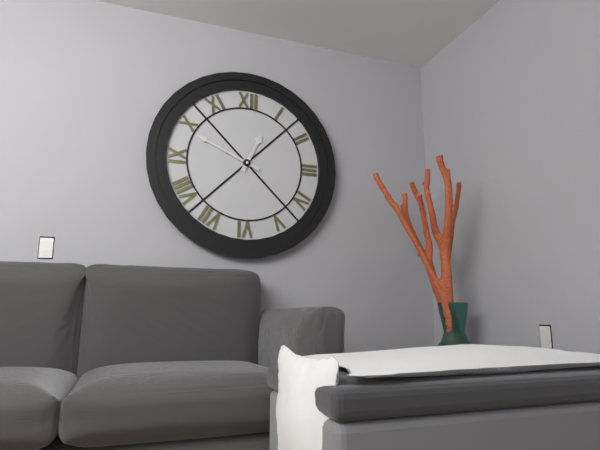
12:49
